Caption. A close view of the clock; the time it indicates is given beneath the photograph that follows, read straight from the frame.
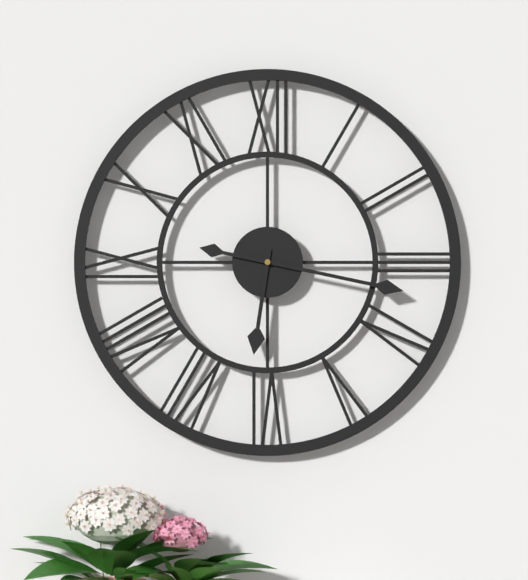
6:17
